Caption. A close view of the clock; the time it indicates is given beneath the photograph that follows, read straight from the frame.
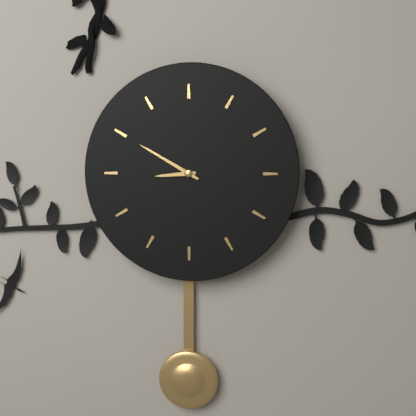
8:50
